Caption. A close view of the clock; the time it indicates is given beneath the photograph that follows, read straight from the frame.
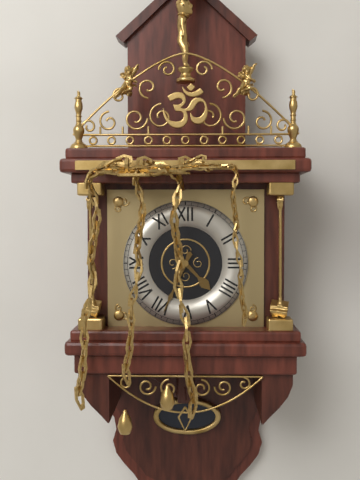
4:34
